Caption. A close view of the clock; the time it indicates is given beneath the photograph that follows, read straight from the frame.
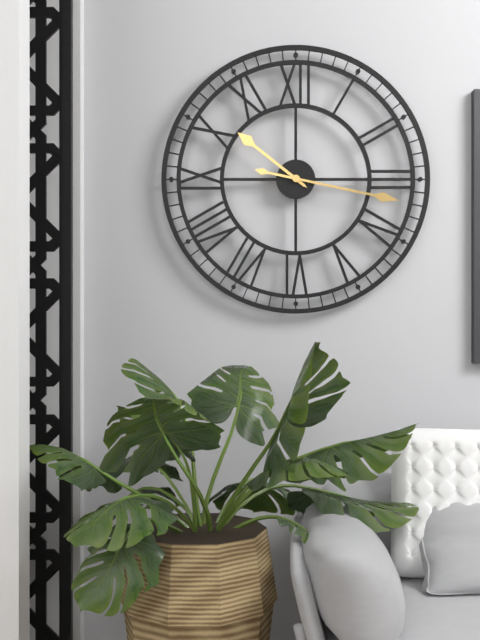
10:17
